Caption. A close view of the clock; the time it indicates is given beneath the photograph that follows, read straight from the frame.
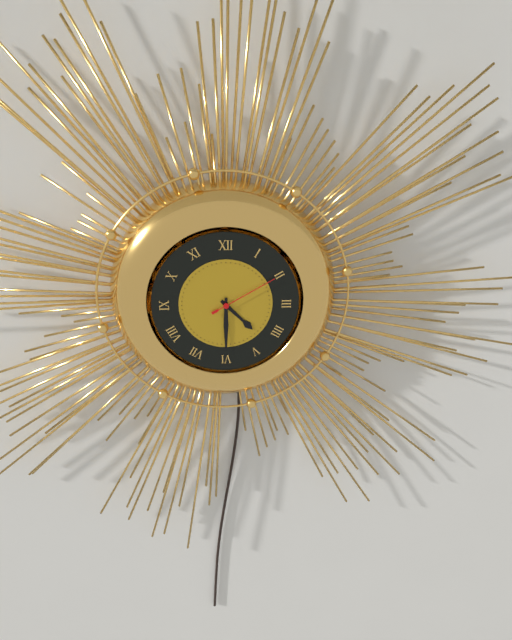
4:30:10
